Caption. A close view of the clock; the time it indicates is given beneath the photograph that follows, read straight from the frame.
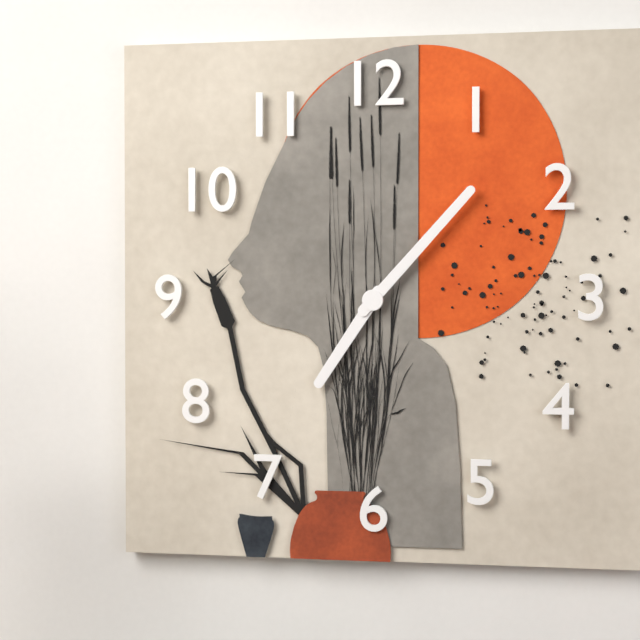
7:07
